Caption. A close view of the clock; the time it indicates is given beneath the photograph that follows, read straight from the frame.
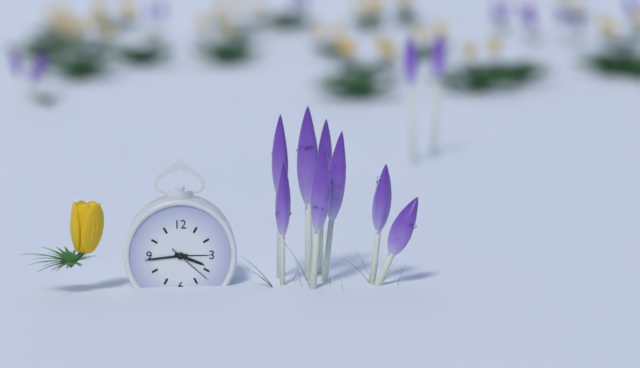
3:44
